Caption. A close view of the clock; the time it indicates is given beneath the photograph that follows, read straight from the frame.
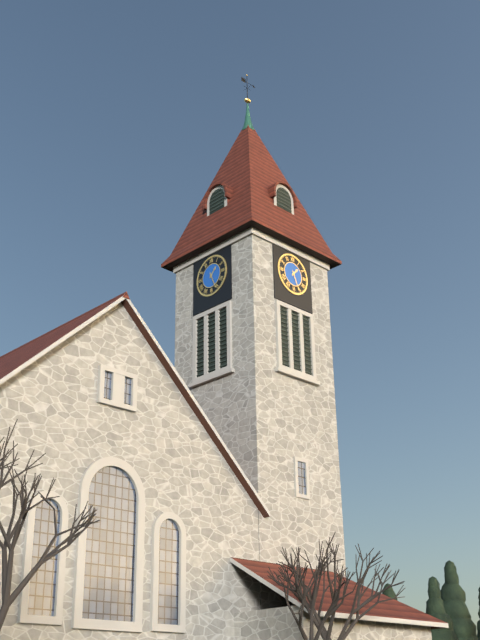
1:26
